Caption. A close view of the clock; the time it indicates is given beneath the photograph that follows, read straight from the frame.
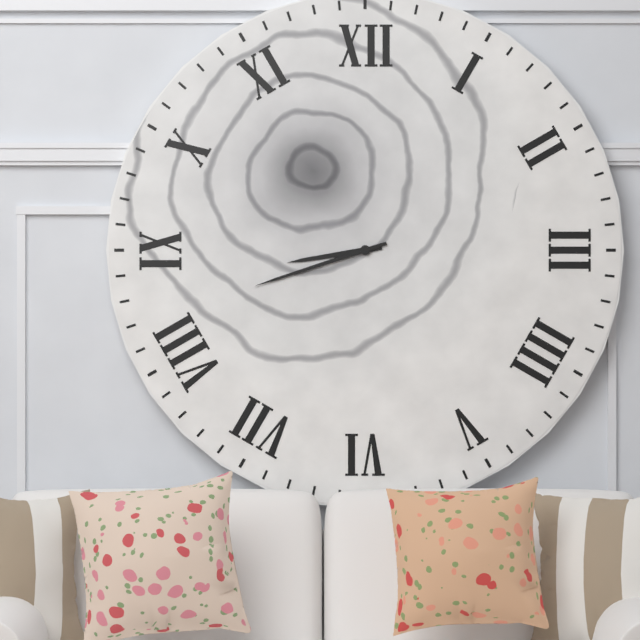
8:42
